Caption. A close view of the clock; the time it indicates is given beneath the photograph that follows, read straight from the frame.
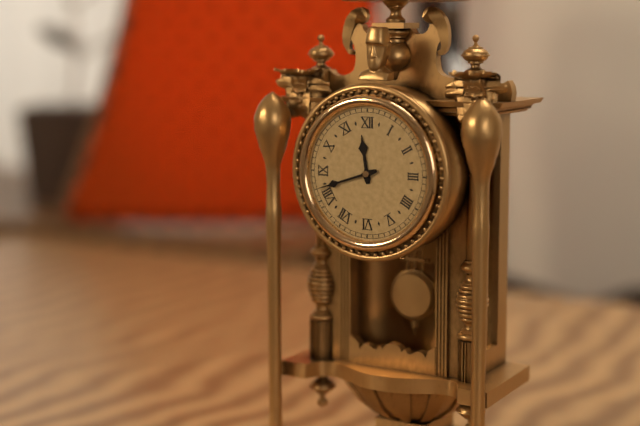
11:42
